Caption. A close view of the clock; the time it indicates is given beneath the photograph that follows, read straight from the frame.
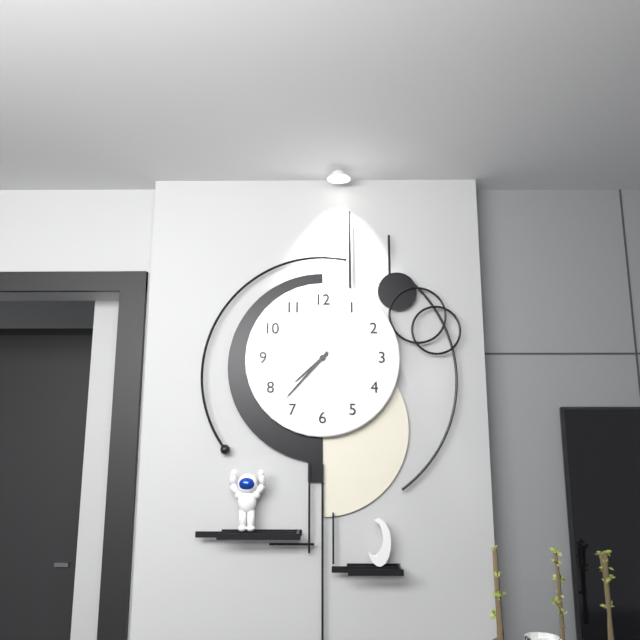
7:37
